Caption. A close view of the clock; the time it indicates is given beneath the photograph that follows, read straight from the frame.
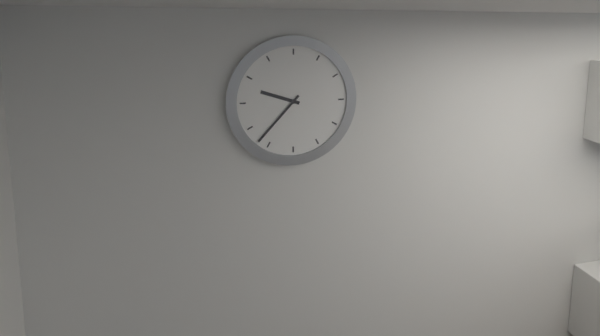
9:37
